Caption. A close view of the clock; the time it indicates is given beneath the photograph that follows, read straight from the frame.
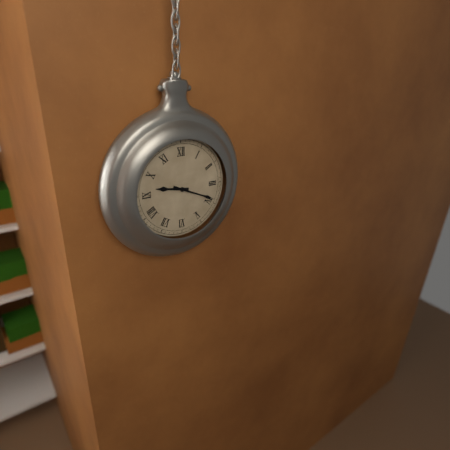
9:19
